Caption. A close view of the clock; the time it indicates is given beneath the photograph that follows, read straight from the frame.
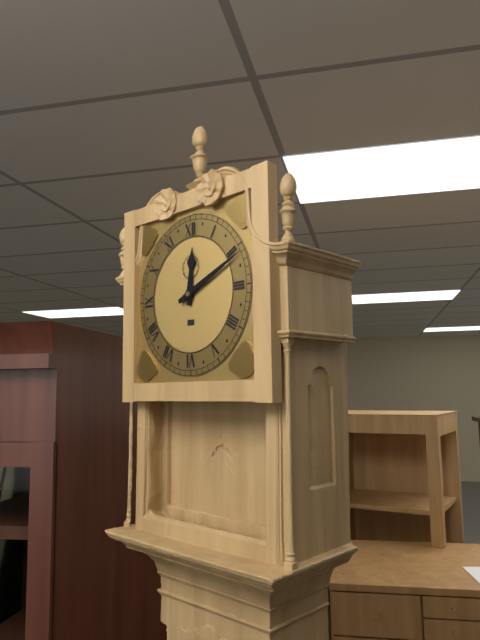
12:11
